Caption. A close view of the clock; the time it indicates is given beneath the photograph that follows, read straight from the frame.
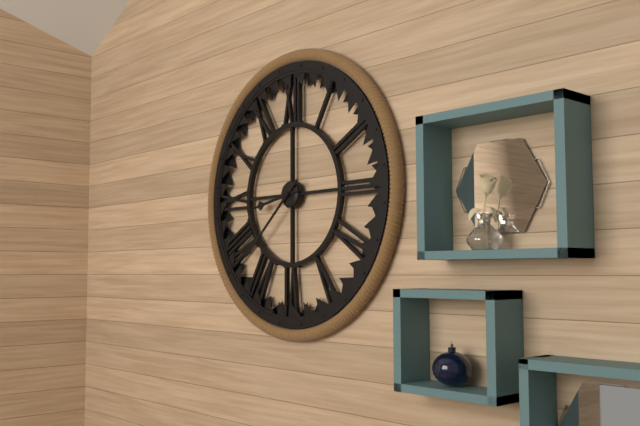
8:38
